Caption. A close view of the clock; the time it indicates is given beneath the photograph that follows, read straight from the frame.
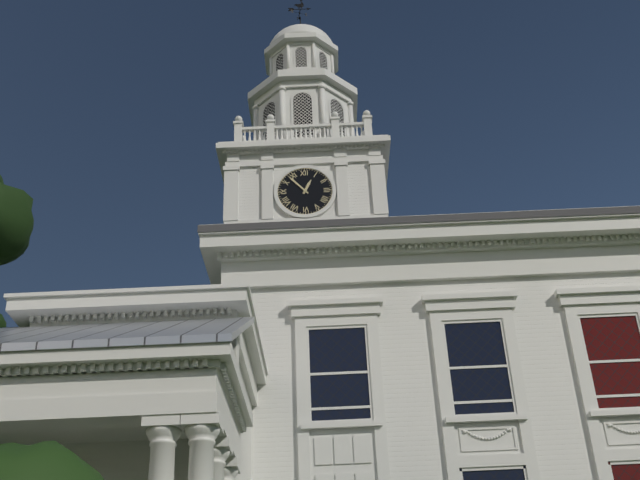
12:53
